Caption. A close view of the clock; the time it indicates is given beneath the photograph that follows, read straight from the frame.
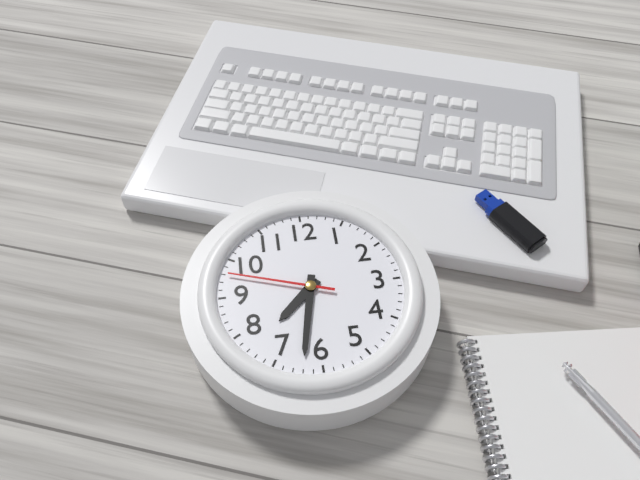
7:32:48
